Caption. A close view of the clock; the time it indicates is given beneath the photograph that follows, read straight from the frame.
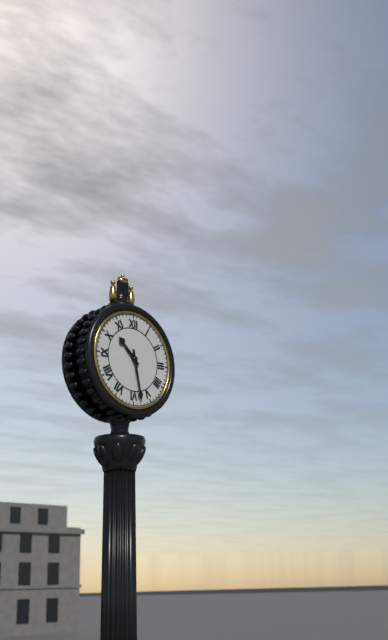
10:28
